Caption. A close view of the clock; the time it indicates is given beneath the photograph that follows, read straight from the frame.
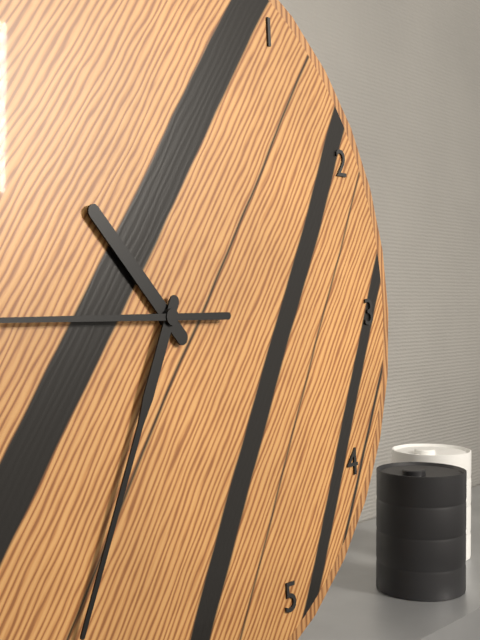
10:34
